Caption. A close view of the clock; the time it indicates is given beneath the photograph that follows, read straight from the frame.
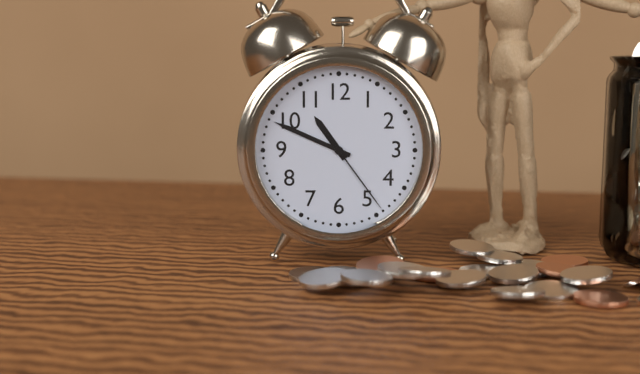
10:49:24
